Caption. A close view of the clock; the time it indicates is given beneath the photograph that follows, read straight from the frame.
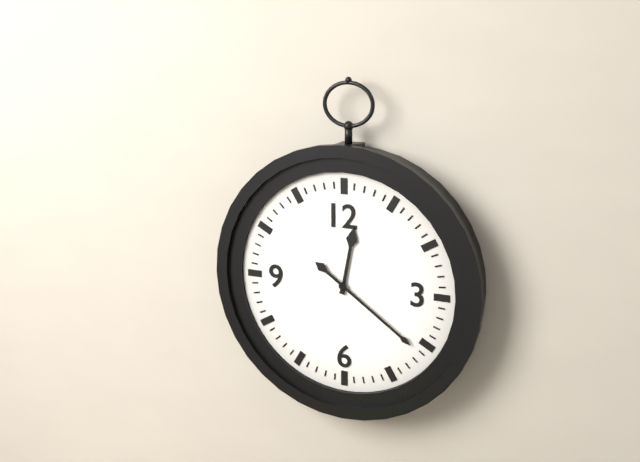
12:21
